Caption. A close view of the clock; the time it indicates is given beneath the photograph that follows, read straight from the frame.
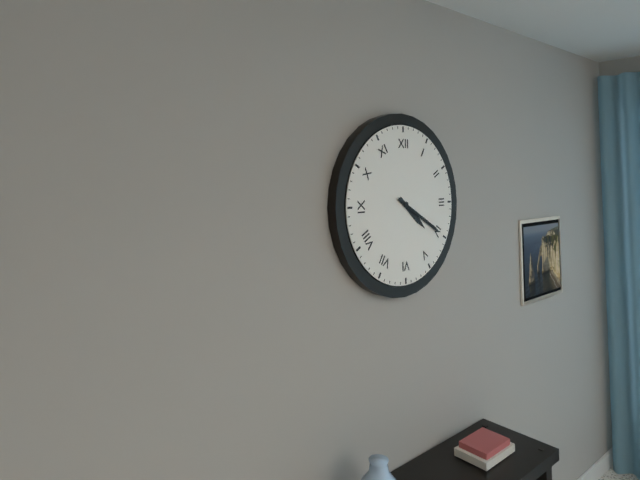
4:20
